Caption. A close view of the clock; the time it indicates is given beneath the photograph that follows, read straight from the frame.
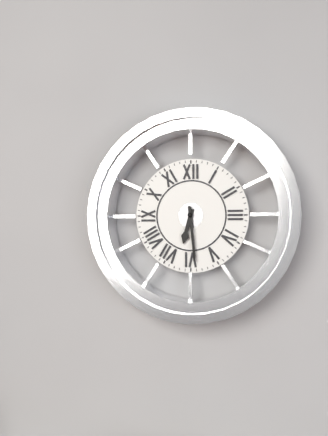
6:29
